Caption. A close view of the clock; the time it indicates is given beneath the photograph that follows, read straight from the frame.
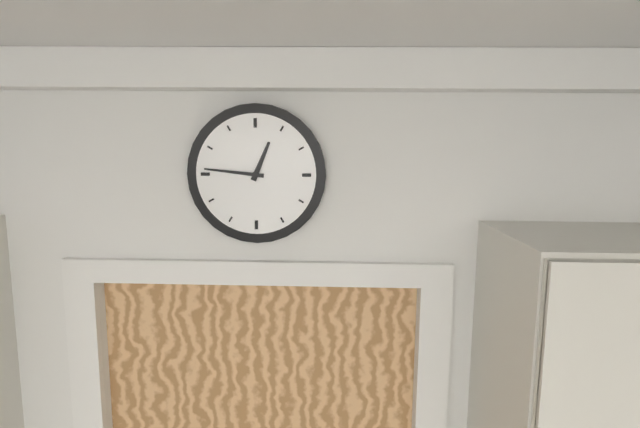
12:46
